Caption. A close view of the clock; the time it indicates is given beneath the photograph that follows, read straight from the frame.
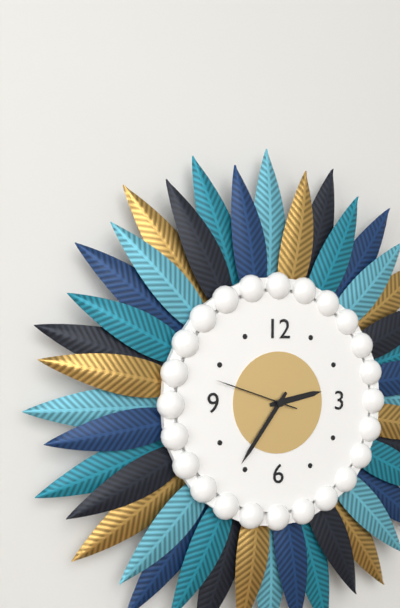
2:36:48
